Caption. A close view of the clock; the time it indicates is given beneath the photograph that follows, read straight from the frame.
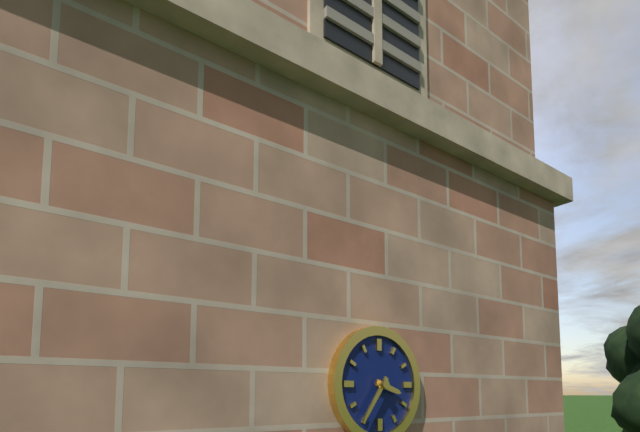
3:36
